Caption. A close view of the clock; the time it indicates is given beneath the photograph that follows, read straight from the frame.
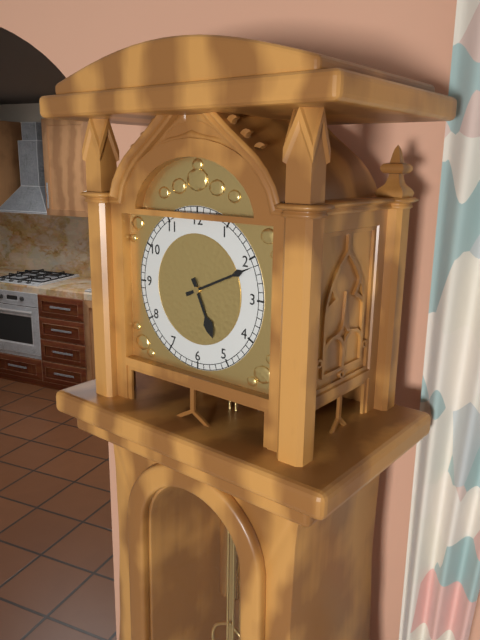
5:11
